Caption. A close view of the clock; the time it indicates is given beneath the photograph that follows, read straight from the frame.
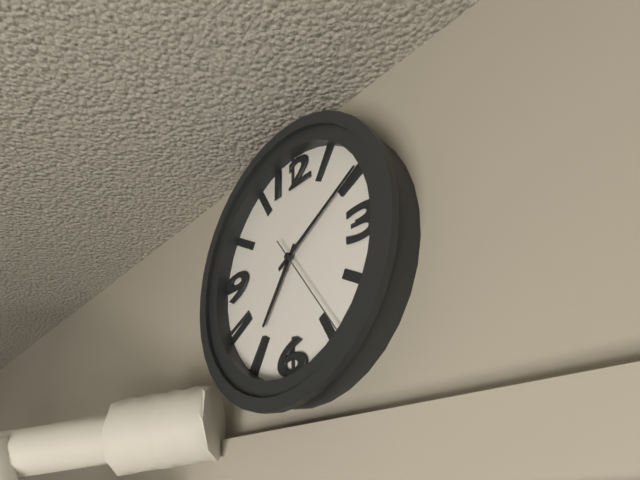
7:10:24
